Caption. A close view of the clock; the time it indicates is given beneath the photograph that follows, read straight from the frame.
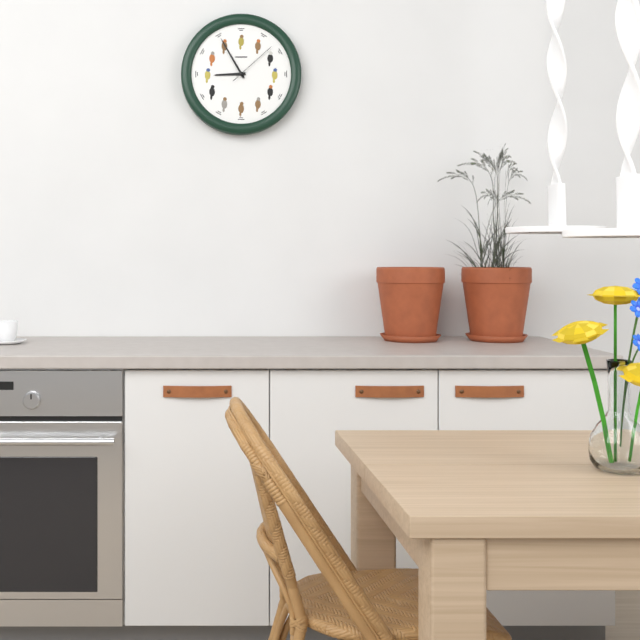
8:55:08
